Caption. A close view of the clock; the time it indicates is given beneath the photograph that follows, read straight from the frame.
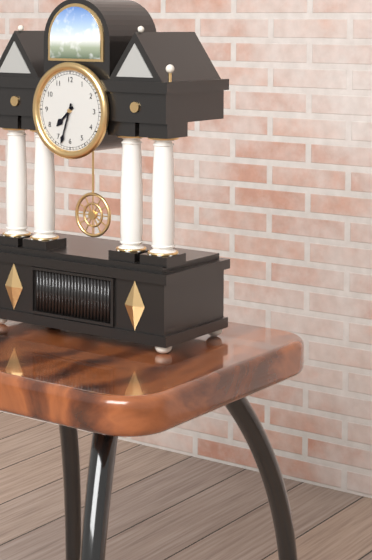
7:33
